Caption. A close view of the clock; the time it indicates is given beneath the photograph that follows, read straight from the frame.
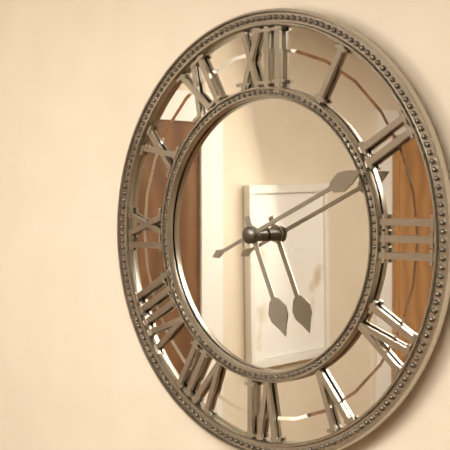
5:11
